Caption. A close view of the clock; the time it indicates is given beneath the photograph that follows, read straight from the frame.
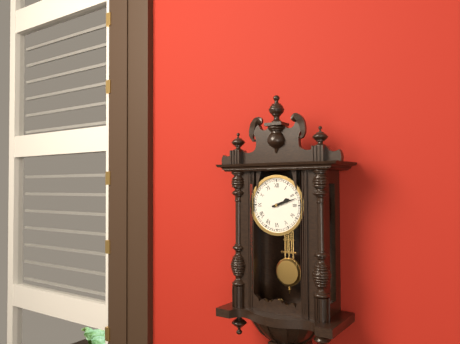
2:12
